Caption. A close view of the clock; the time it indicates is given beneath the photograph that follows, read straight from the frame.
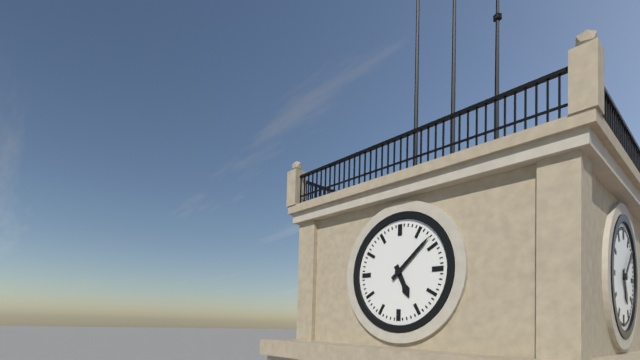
5:08
